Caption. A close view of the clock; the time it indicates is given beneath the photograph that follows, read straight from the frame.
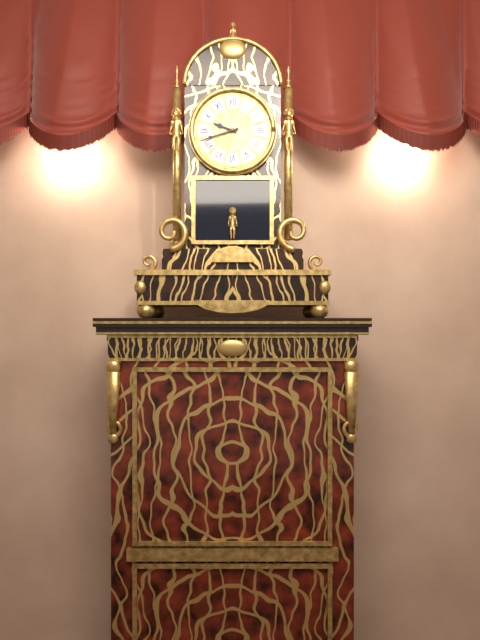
9:42
